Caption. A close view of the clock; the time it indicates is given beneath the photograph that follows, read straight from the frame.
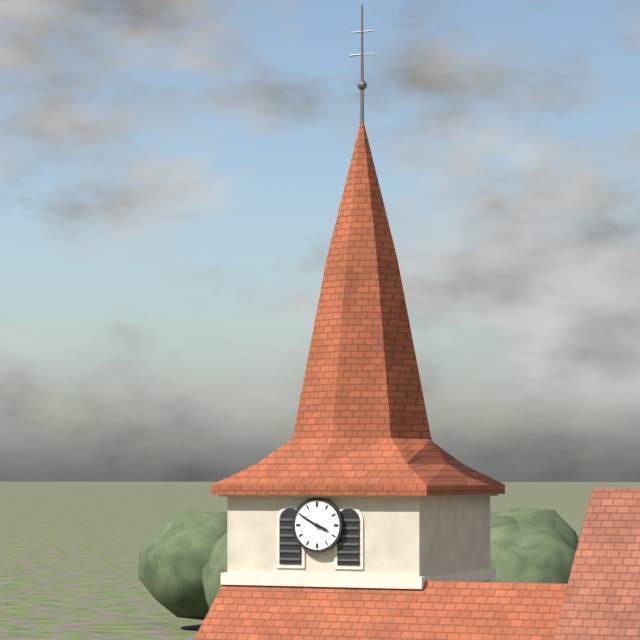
3:50
